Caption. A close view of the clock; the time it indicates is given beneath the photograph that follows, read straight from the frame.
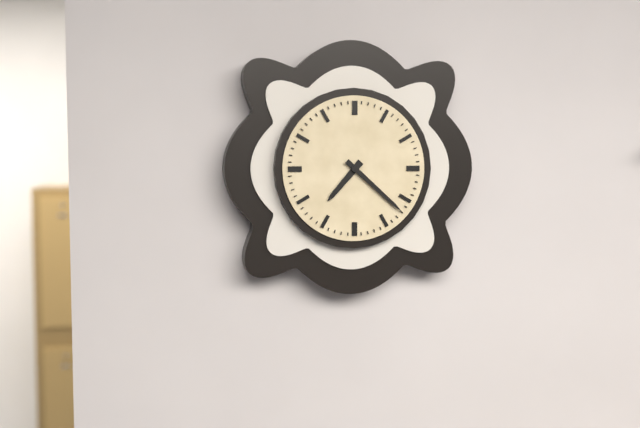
7:22
